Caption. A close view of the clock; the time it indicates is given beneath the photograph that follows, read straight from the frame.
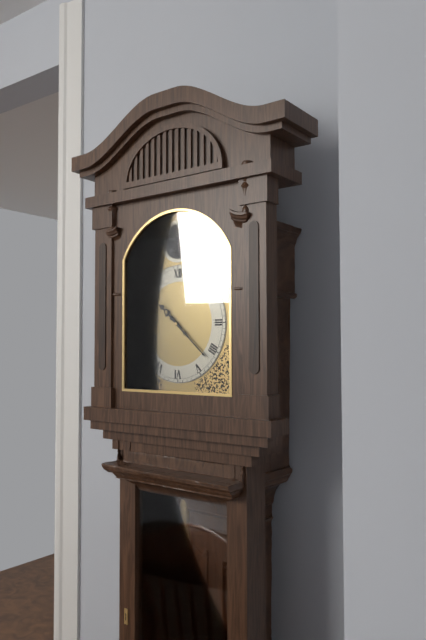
10:22
